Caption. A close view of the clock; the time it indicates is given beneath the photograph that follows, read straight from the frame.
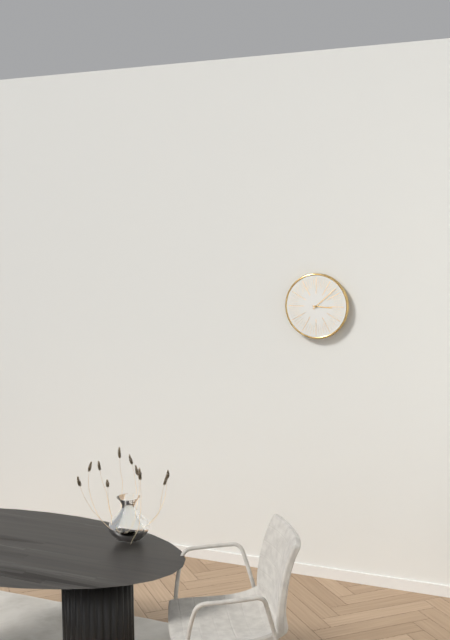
3:08
